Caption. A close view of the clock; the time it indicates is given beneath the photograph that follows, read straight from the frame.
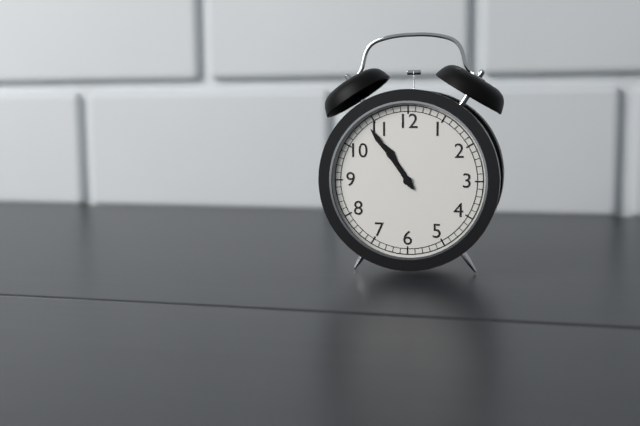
10:54
